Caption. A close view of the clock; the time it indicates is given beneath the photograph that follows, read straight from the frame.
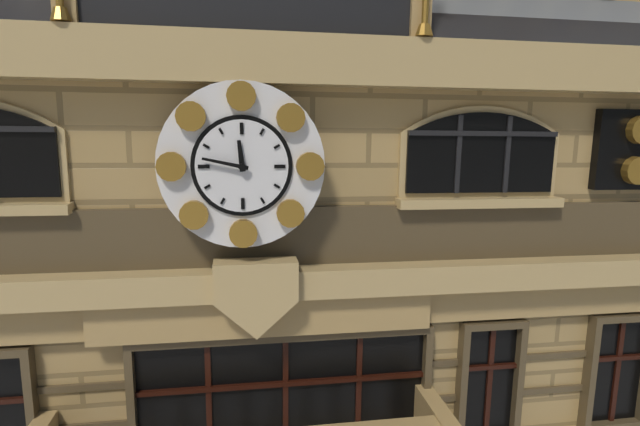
11:47
